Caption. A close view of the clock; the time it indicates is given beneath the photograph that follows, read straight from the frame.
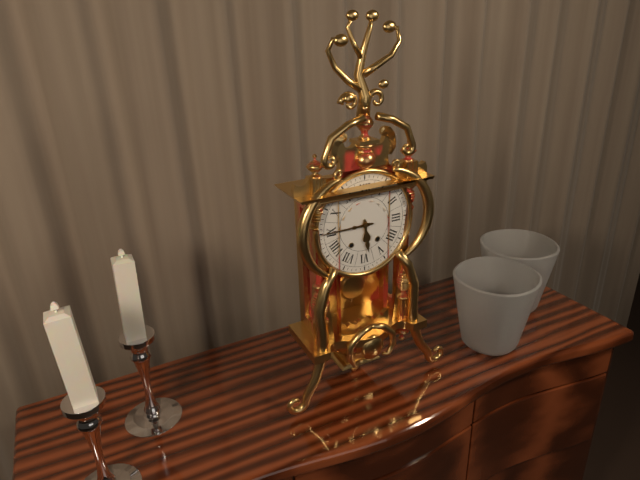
5:45
